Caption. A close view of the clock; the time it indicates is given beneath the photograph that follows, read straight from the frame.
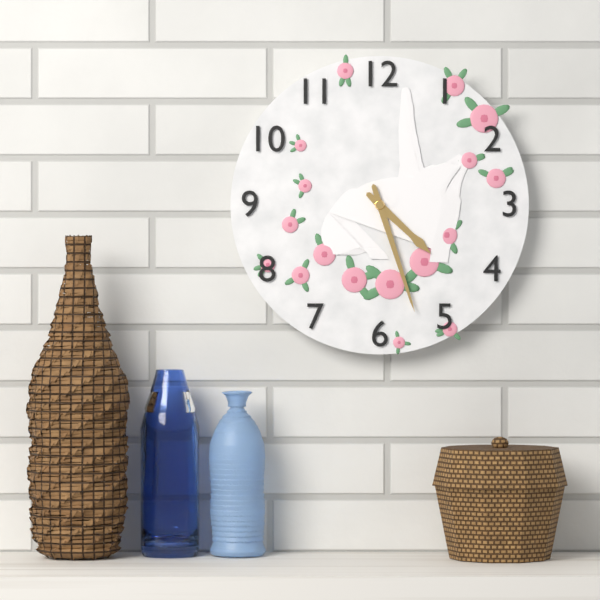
4:27
